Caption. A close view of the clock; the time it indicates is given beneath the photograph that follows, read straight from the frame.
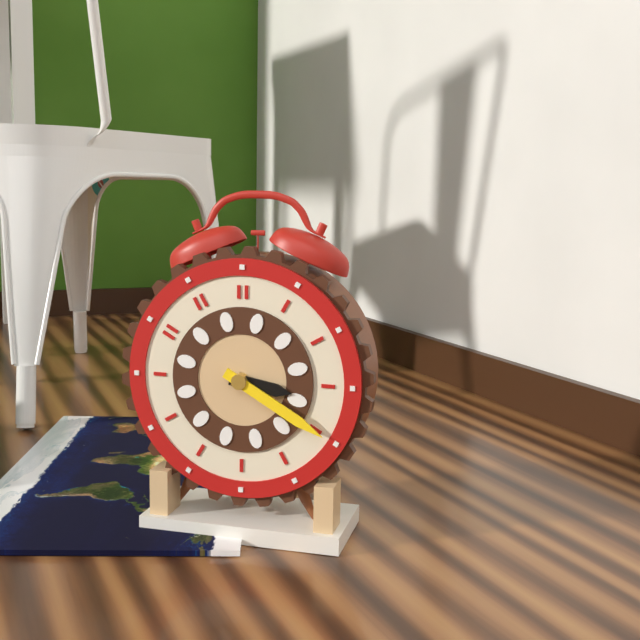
3:20
